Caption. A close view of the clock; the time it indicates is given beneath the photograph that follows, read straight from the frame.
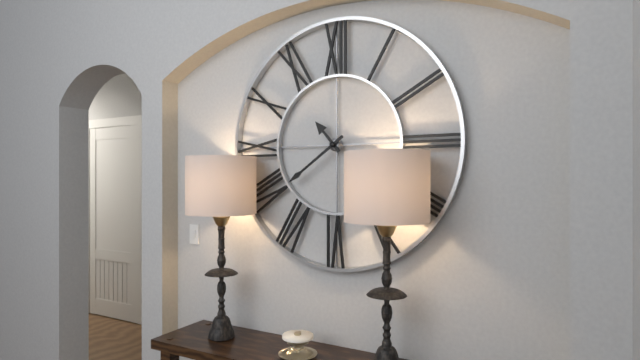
10:39
